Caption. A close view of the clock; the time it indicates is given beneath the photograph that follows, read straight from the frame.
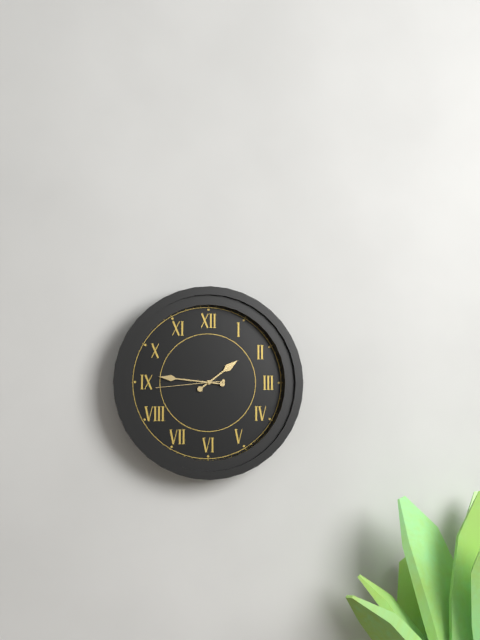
1:46:44
